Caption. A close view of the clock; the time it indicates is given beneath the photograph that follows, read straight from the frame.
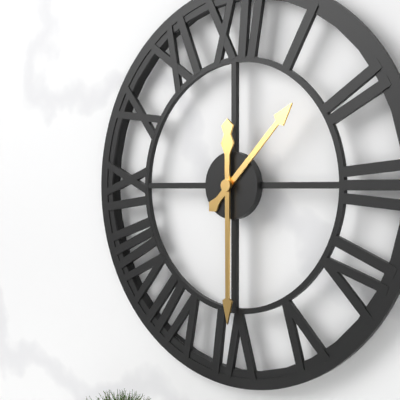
1:30
